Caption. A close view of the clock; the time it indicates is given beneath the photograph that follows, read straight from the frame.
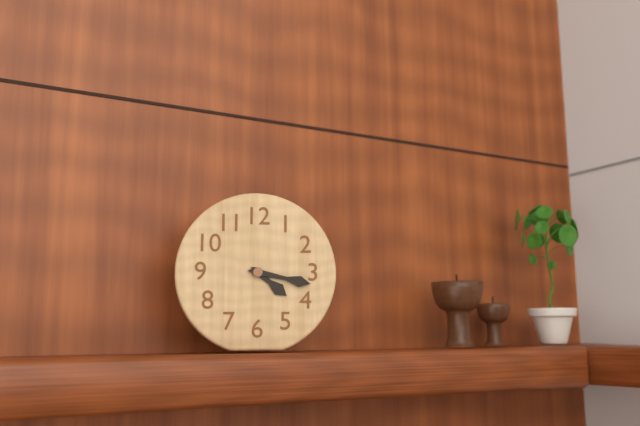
4:17
